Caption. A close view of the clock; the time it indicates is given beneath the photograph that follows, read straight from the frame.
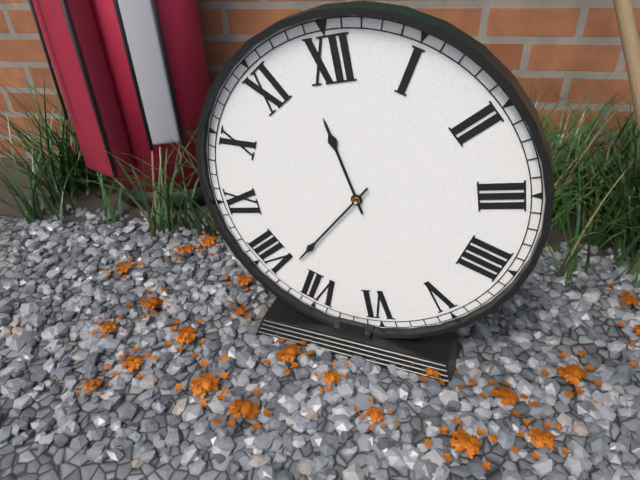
11:38
